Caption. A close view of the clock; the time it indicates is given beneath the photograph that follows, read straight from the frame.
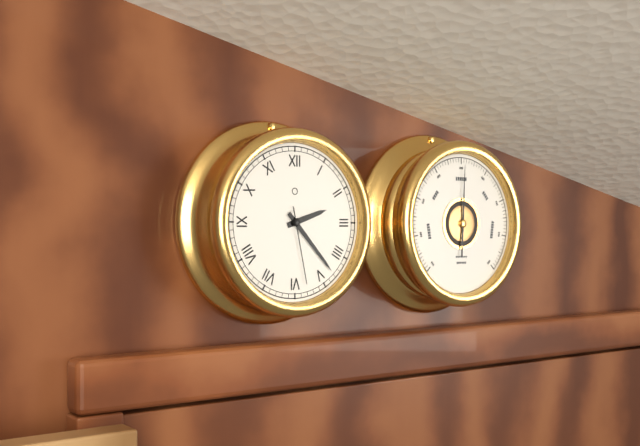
2:23:28
